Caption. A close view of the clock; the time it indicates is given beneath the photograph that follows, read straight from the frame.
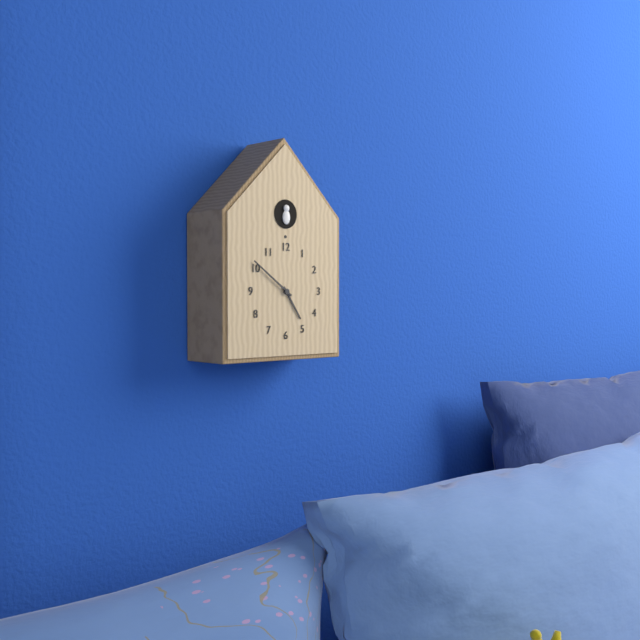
4:51
